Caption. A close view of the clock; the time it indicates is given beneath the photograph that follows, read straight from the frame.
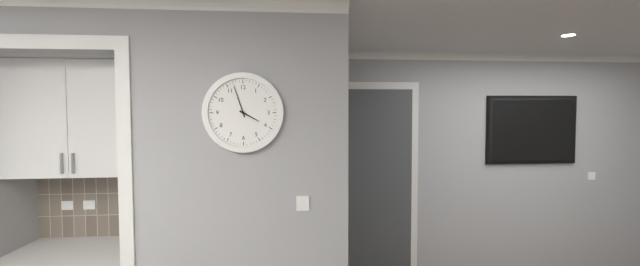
3:57
